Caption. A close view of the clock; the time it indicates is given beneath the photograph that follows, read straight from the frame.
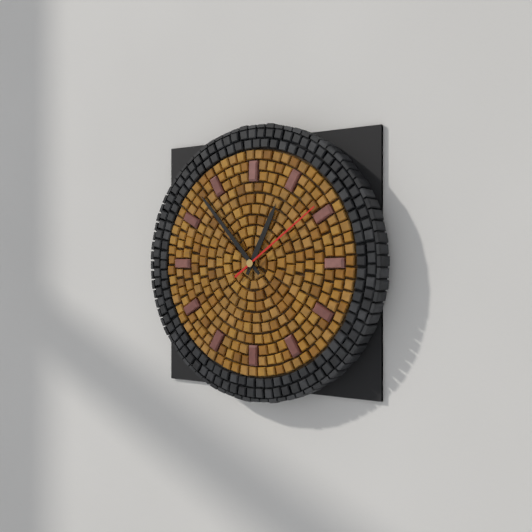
12:53:09
